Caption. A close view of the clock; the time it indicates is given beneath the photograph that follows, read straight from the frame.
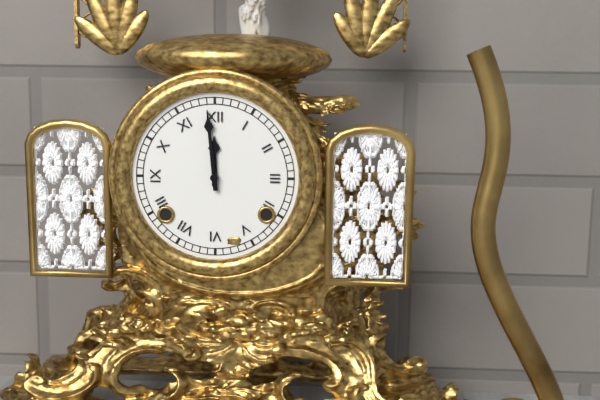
11:59
